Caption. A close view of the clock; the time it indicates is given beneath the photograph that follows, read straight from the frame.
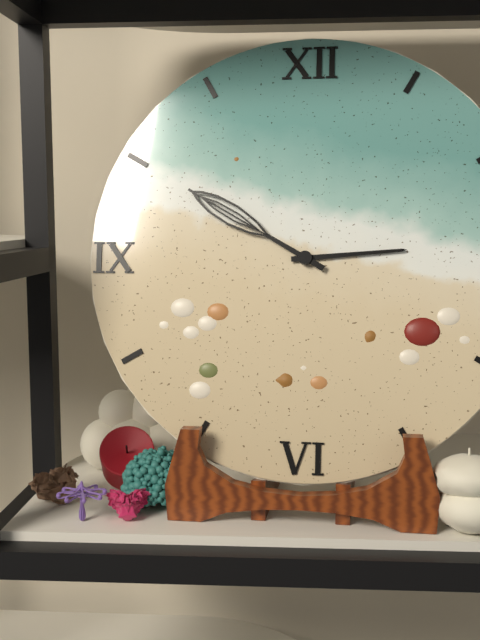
2:50
